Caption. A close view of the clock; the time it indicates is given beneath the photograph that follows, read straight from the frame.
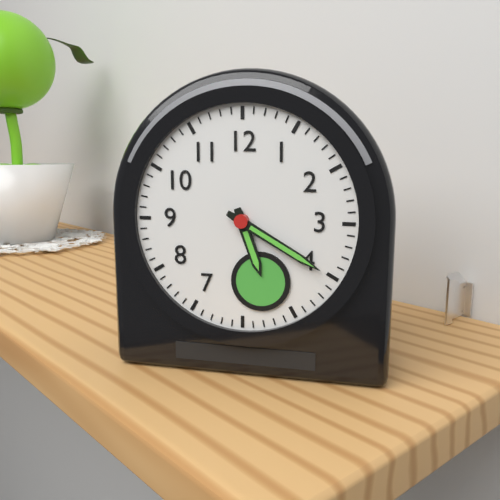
5:20
